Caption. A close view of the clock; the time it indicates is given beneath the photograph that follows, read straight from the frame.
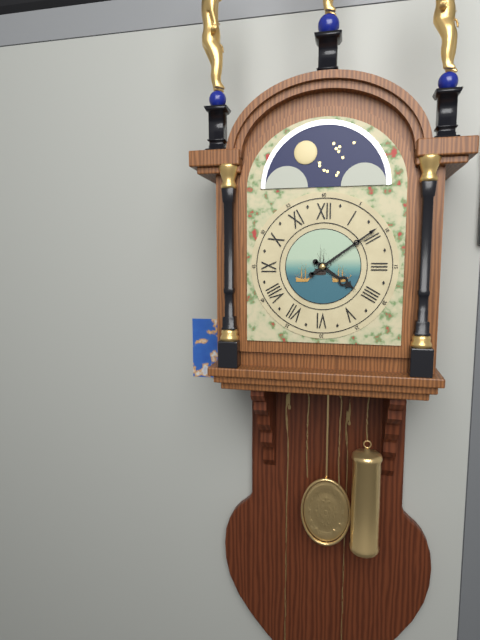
4:09
